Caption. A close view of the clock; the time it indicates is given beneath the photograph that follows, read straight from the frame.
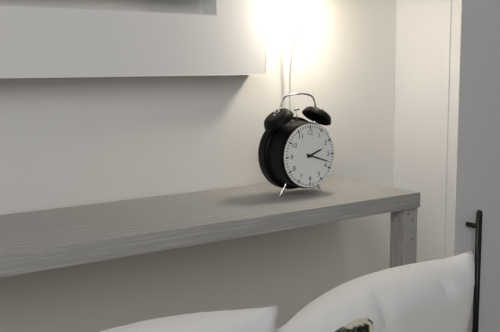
2:18
